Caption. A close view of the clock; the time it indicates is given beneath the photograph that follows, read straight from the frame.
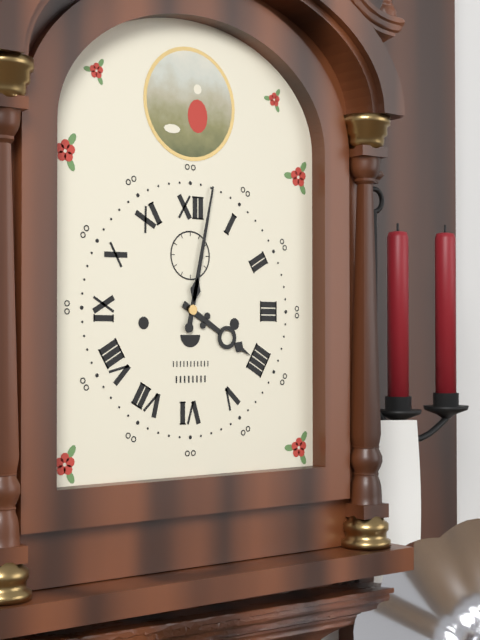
4:02
